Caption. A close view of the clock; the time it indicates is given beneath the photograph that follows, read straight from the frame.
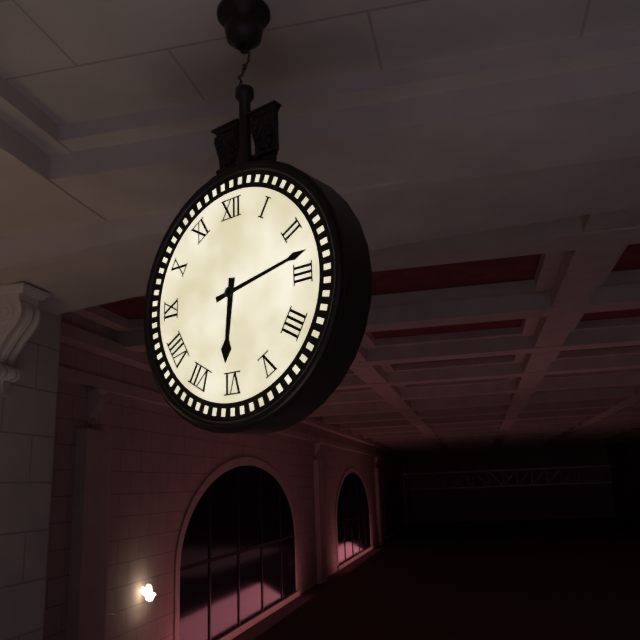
6:13
